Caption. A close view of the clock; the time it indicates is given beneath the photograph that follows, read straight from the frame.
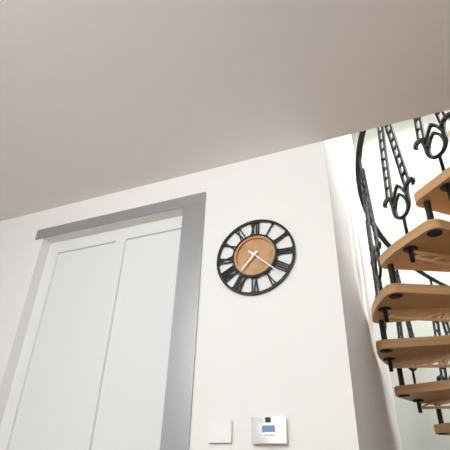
7:22
